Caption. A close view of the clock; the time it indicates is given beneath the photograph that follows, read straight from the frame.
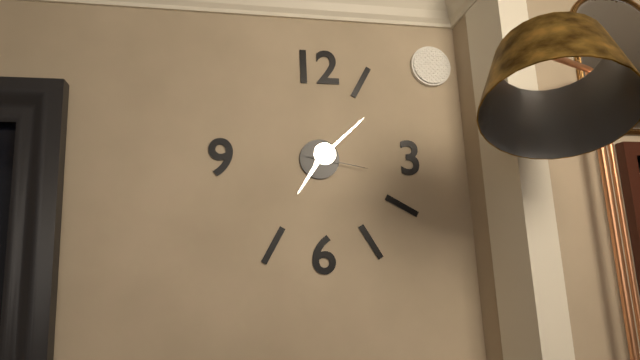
7:08:17
